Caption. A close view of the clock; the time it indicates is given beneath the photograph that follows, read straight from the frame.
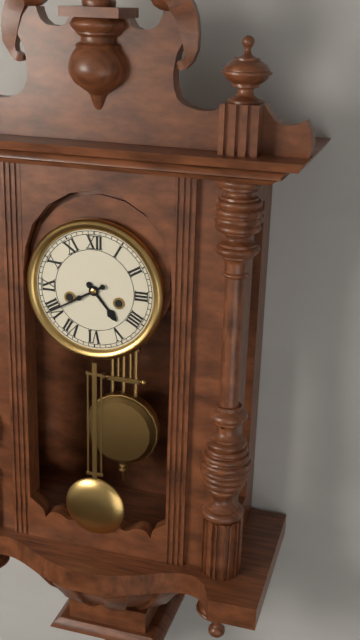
4:40
